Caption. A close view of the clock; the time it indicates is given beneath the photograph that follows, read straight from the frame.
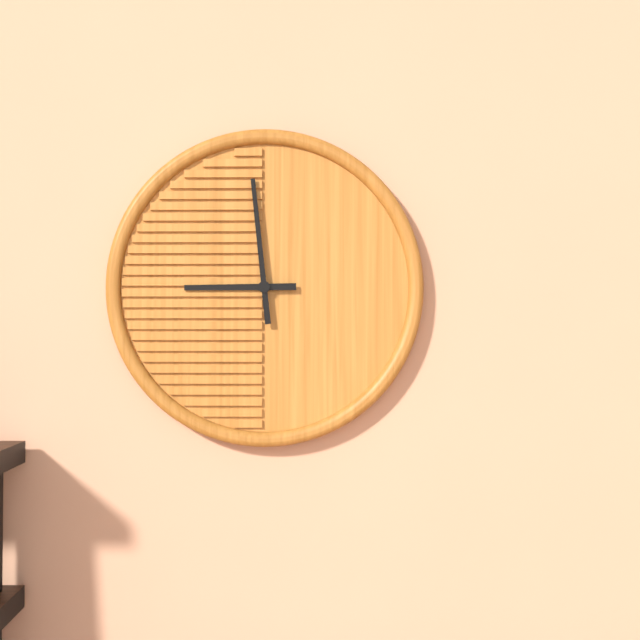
8:59
